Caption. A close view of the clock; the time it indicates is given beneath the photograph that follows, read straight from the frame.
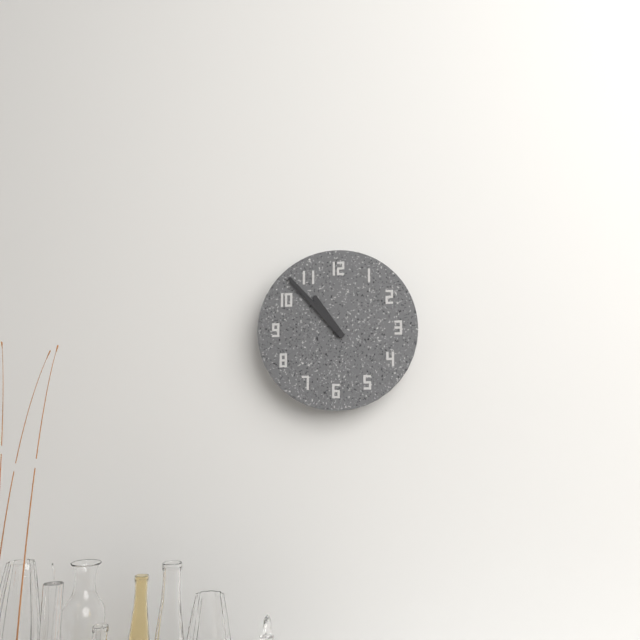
10:53
